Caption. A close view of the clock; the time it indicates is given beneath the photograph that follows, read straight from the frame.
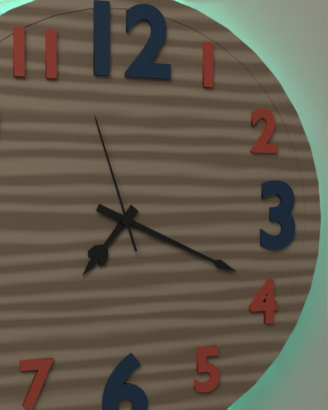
7:19:57
